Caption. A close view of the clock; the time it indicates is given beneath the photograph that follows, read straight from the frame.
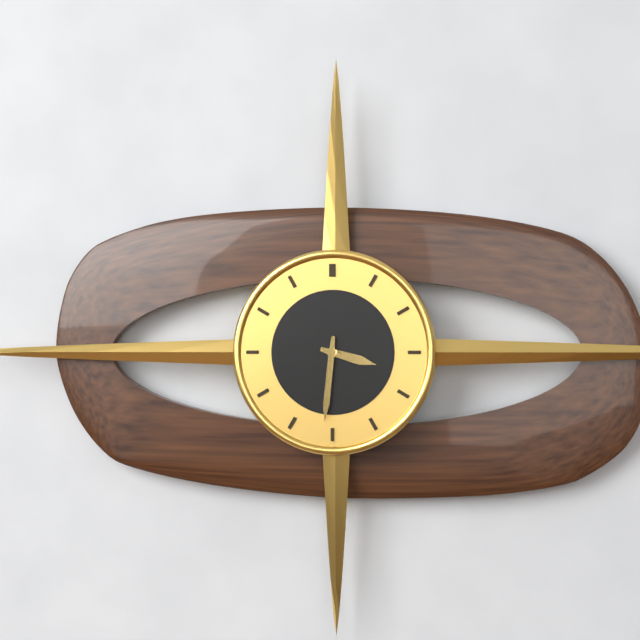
3:31
